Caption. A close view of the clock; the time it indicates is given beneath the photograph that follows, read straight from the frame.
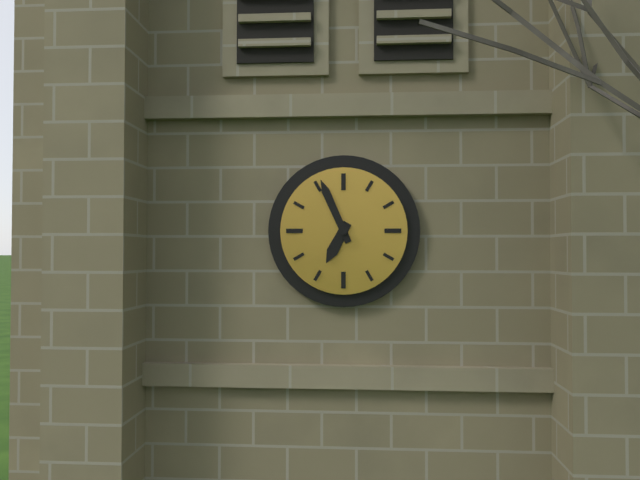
6:56
